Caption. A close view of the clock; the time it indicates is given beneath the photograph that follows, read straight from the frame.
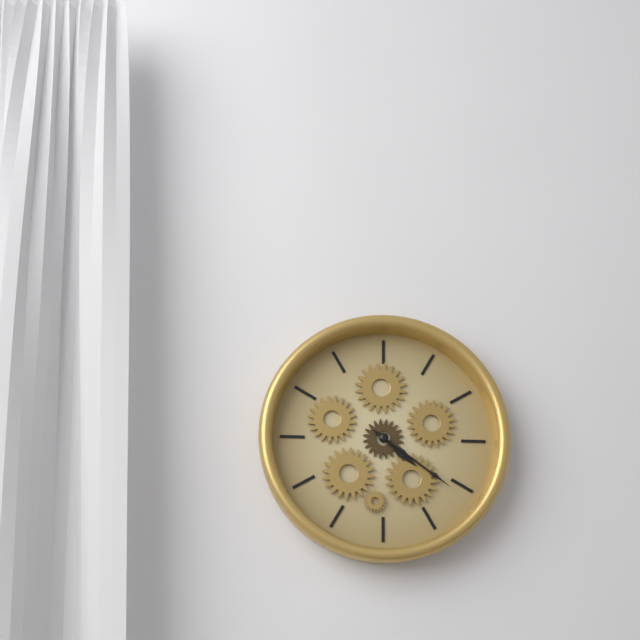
4:21
